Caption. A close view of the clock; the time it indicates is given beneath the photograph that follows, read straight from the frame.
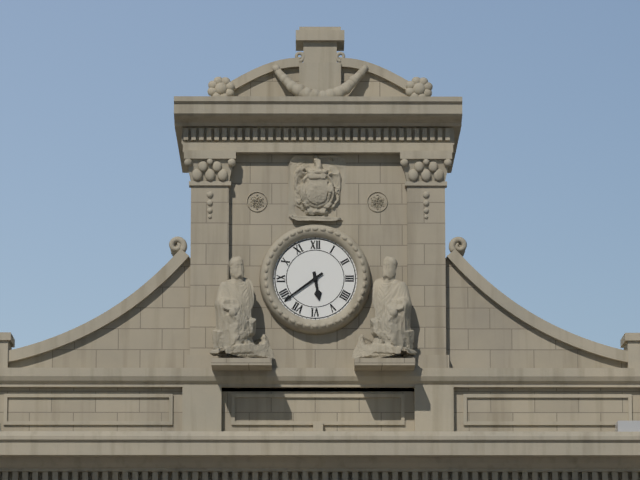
5:39
